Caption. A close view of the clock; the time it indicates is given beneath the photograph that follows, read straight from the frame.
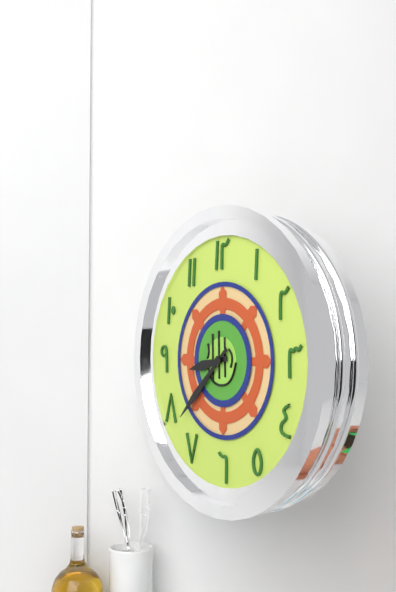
8:38
